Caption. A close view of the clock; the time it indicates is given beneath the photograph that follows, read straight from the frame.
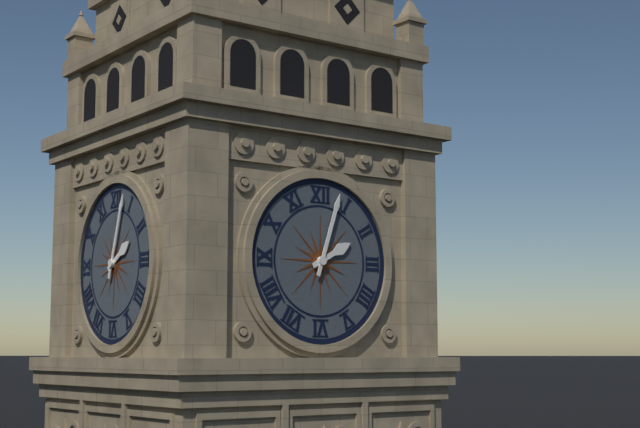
2:03
